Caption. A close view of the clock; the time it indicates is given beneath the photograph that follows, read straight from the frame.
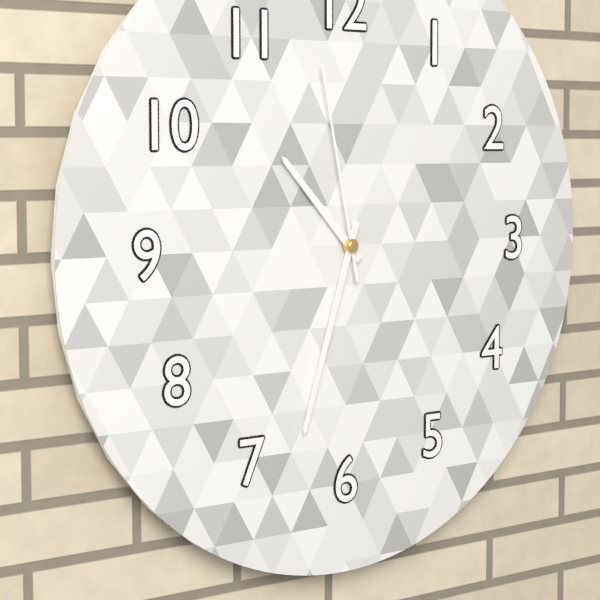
10:33:58
